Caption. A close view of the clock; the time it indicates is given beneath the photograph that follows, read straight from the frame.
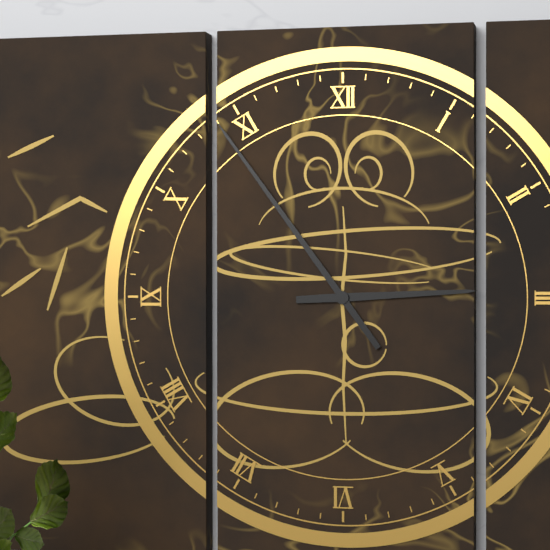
2:54
